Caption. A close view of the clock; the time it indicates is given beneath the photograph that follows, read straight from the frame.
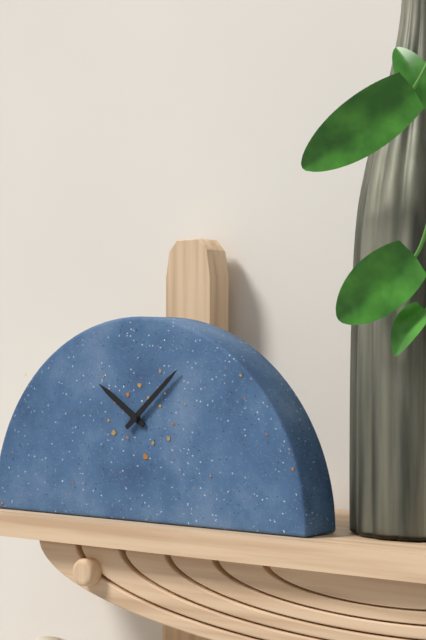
10:08
